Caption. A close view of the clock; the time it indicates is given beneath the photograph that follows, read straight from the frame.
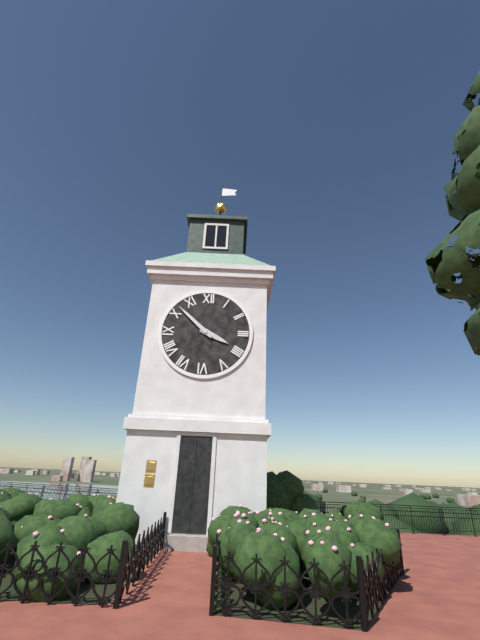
3:52
